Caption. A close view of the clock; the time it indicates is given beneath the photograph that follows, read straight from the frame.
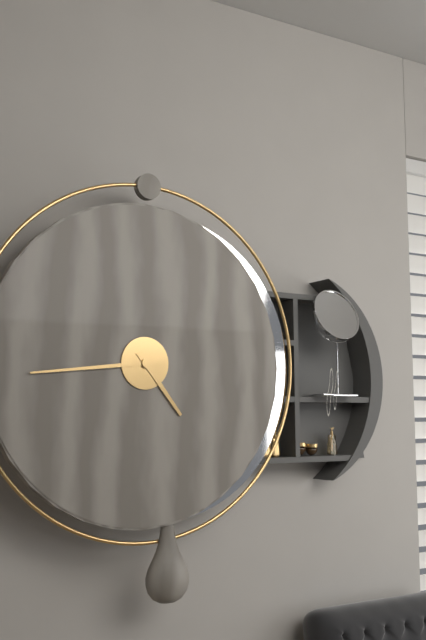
4:44
